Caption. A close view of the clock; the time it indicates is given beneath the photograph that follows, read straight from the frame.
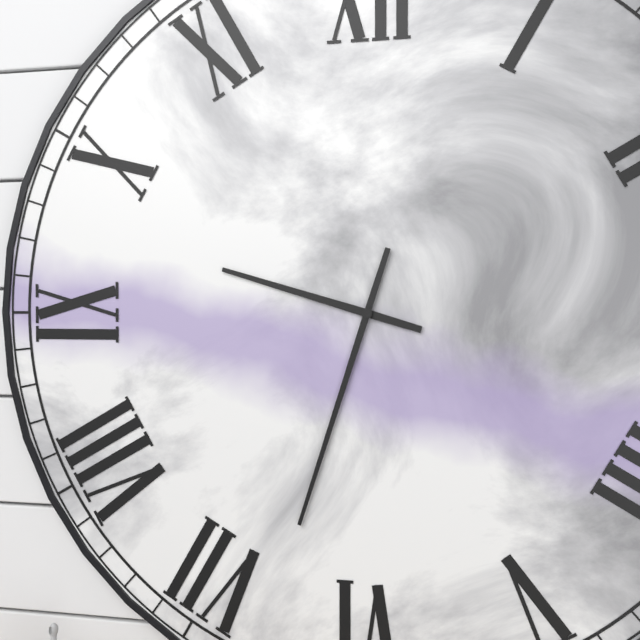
9:33
